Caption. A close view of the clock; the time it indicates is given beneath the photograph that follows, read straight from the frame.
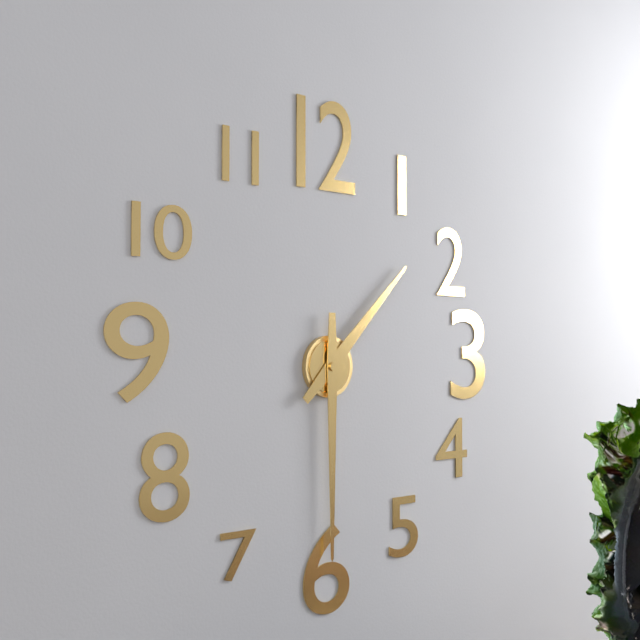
1:30
